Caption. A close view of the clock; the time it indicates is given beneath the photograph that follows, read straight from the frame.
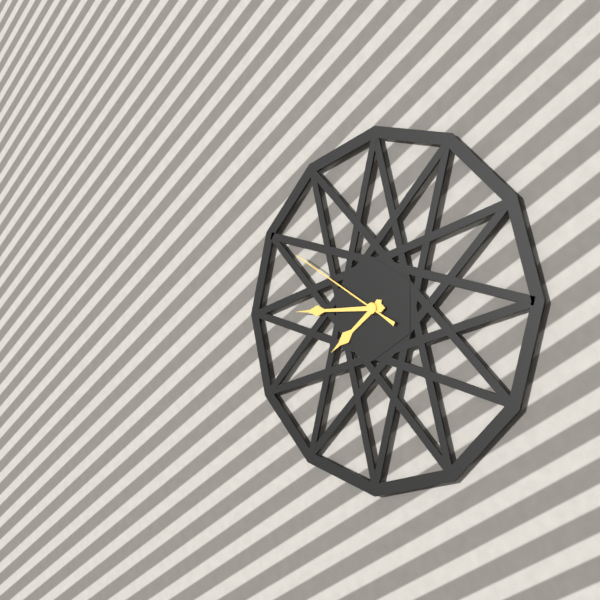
7:45:50
